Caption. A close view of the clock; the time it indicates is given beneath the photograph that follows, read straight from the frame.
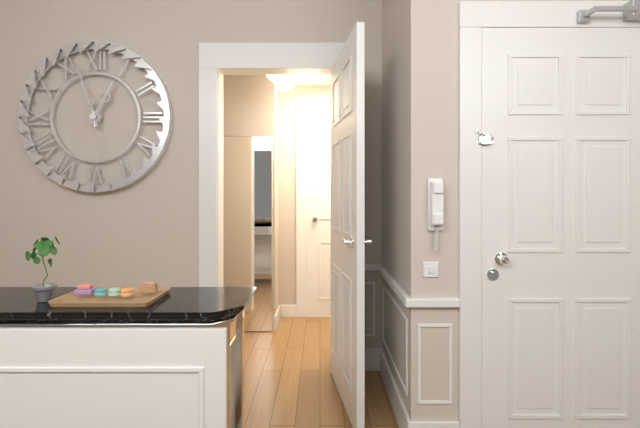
12:57:29
